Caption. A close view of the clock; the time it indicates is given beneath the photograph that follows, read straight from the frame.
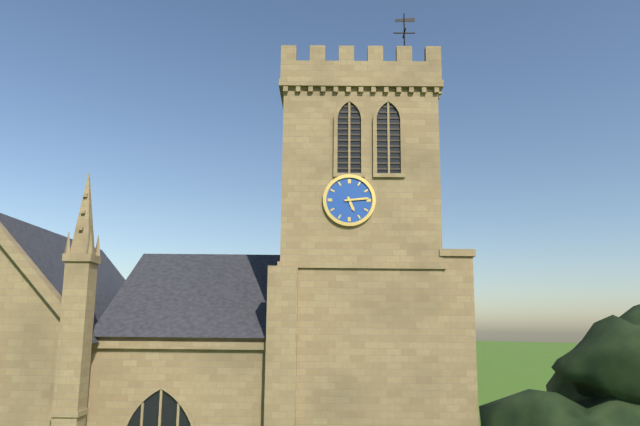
5:14
